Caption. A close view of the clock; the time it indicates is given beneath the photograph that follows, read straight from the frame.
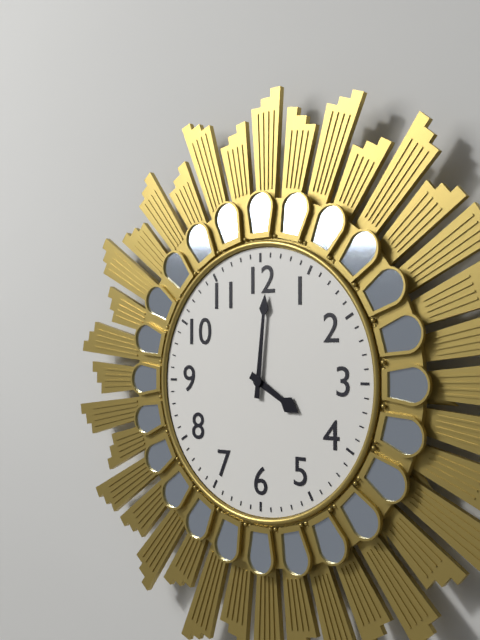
4:01
